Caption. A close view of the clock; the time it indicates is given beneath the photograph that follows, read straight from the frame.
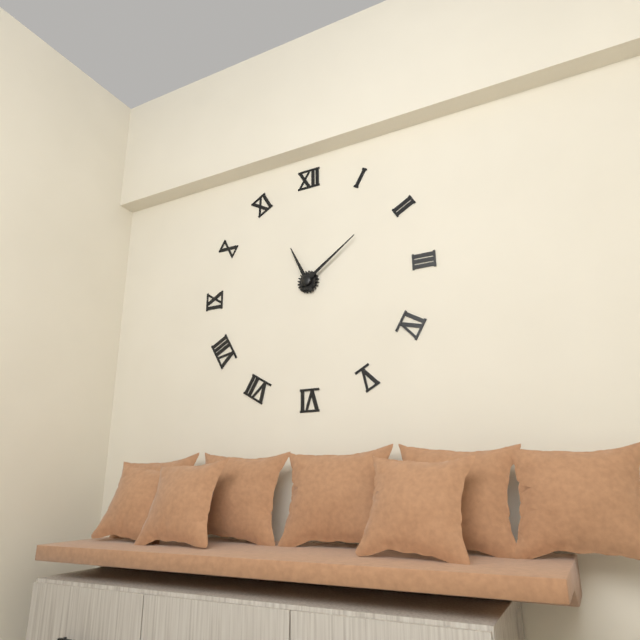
11:09
